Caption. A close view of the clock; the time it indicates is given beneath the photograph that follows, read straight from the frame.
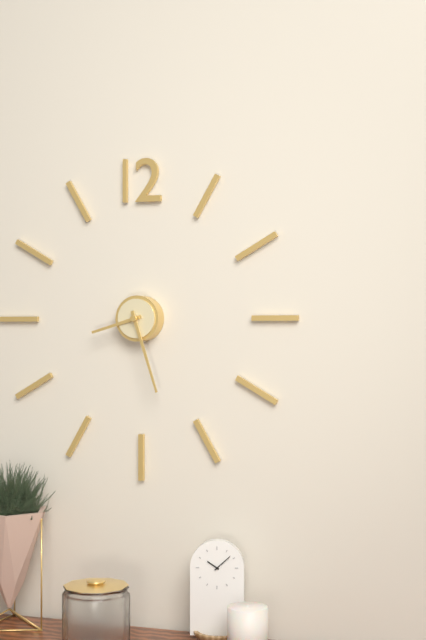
8:27
